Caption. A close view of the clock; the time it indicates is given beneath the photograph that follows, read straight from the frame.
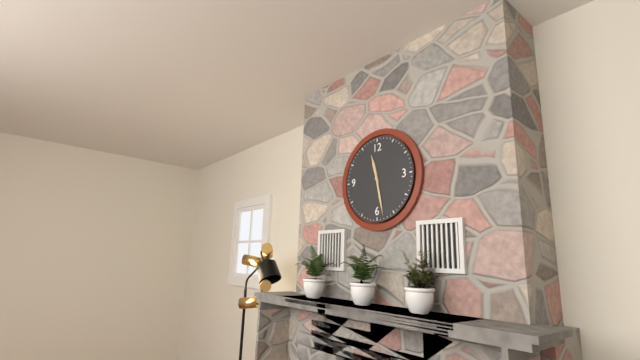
11:28
